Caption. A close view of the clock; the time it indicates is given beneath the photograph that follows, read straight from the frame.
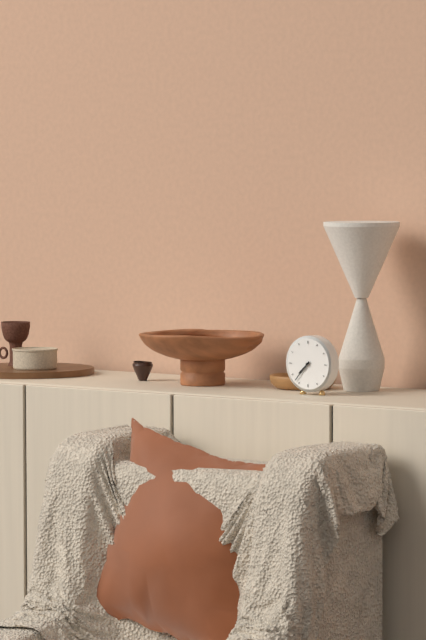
7:37
